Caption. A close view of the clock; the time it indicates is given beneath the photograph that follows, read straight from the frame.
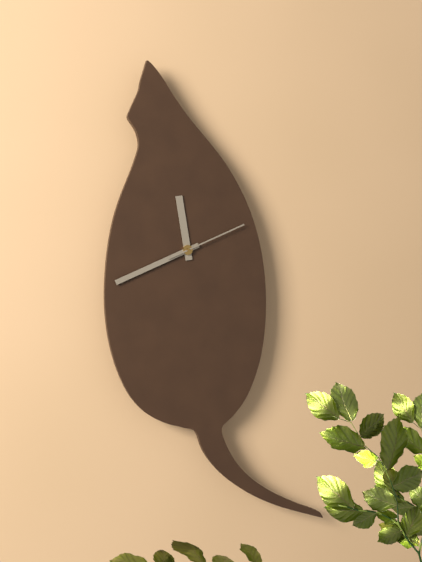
11:41:11
